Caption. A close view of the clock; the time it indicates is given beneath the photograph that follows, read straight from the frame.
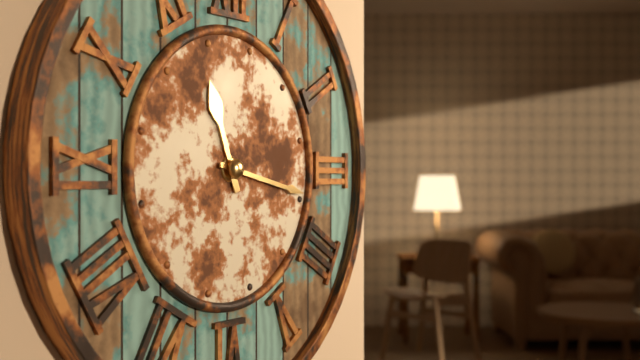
11:17
